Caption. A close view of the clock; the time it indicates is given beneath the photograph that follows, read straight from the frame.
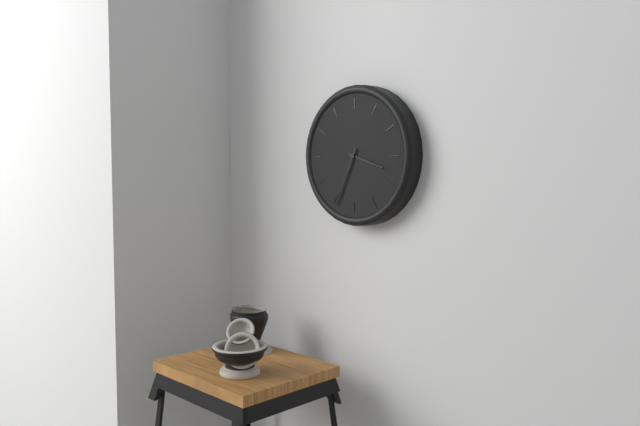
3:34
